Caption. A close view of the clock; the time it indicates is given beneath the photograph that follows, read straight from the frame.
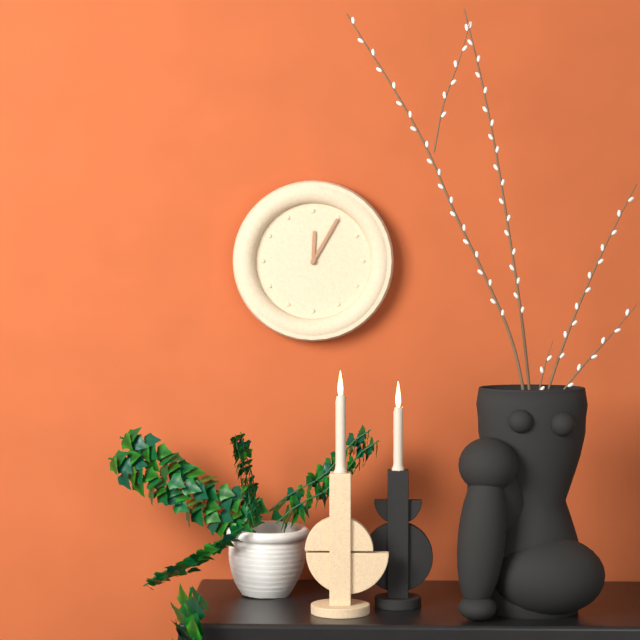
12:05
